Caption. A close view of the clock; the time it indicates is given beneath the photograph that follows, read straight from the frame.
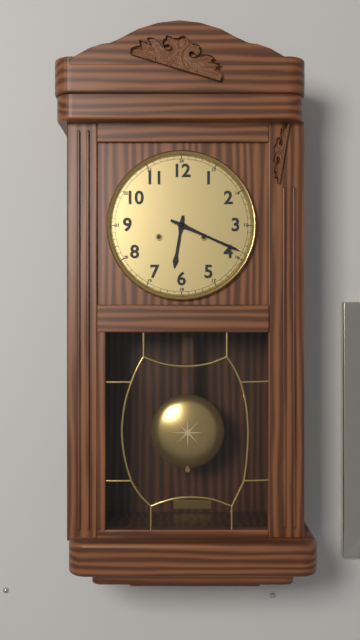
6:19
